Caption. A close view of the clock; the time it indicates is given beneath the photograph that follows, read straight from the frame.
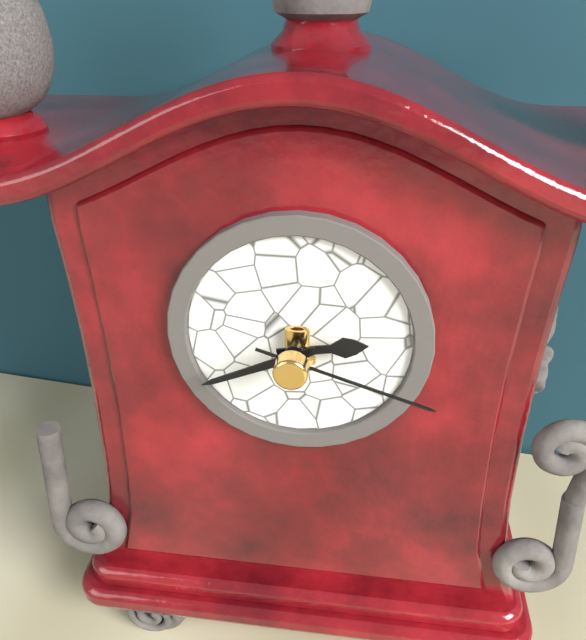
2:41:18
